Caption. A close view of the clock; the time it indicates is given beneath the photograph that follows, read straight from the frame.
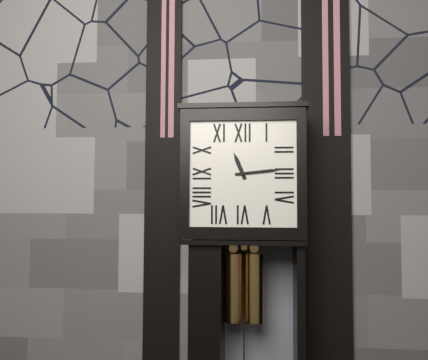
11:14
